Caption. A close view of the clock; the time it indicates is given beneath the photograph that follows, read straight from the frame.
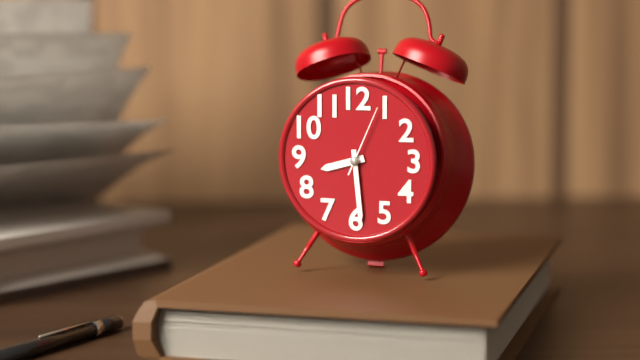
8:29:04
